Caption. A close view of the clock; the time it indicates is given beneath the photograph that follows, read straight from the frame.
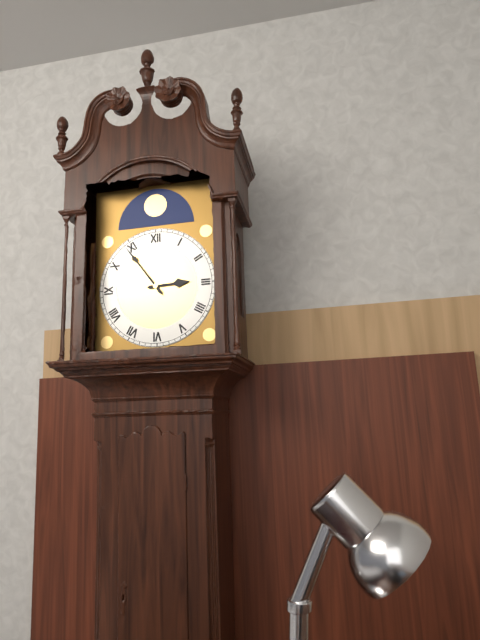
2:54
